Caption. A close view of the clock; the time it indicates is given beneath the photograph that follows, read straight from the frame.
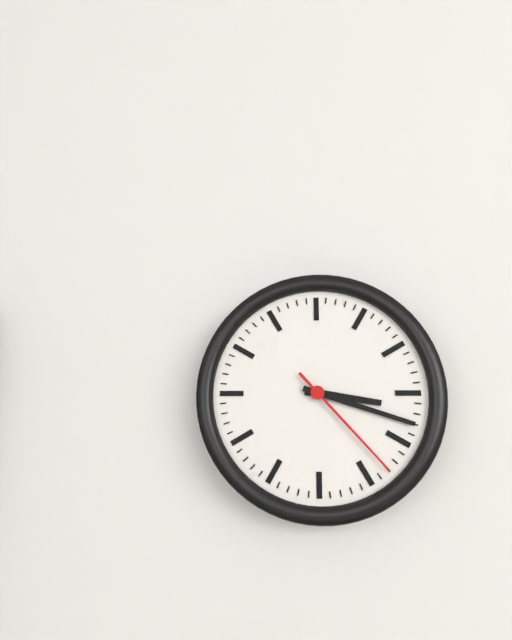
3:18:23
